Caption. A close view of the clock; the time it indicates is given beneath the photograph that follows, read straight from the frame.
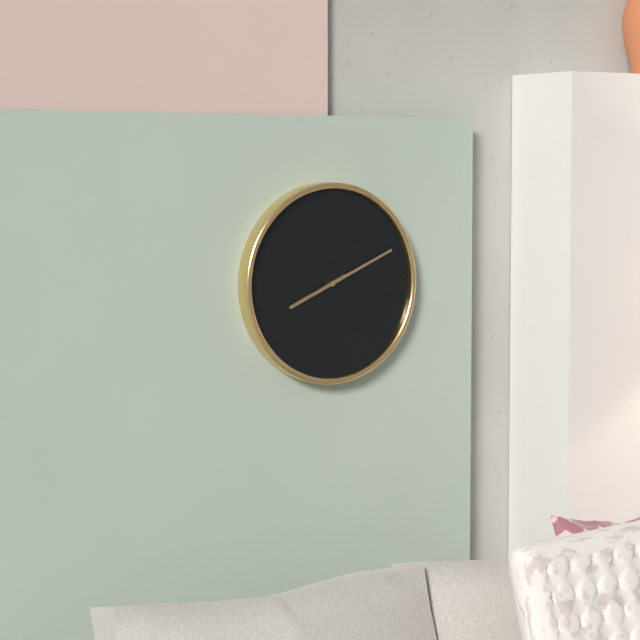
8:11
